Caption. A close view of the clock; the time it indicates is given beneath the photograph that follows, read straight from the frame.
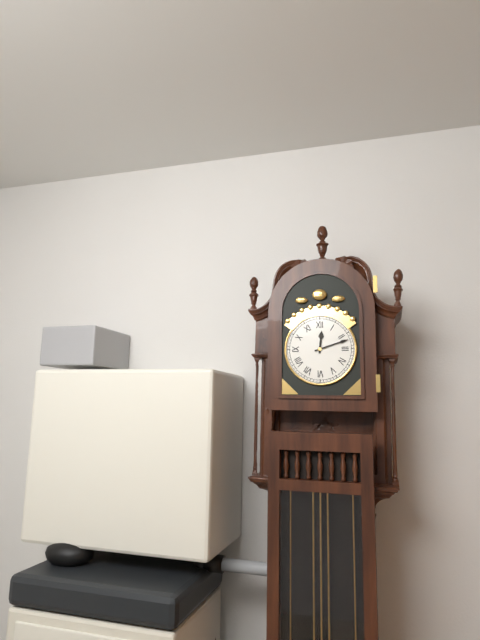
12:12
